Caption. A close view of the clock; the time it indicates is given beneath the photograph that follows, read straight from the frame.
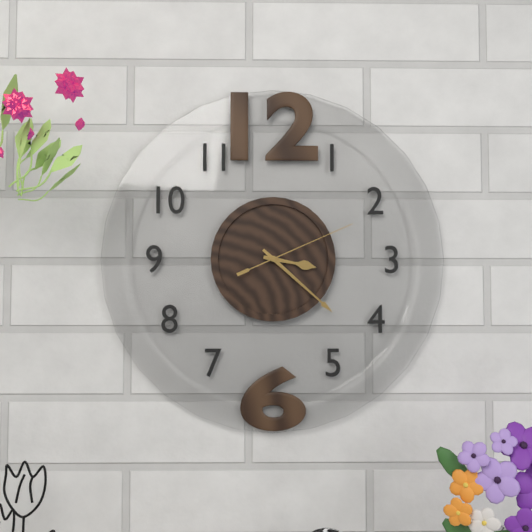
3:22:11
